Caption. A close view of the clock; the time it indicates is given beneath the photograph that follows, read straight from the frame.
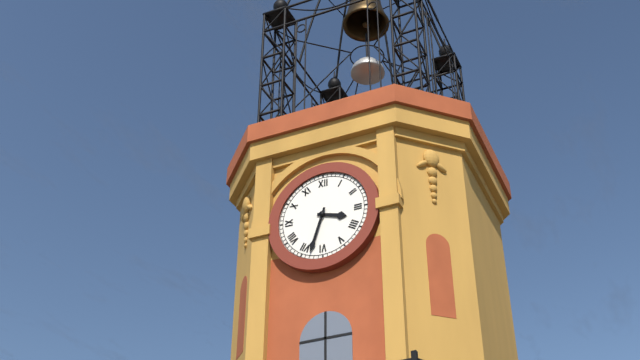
3:33
